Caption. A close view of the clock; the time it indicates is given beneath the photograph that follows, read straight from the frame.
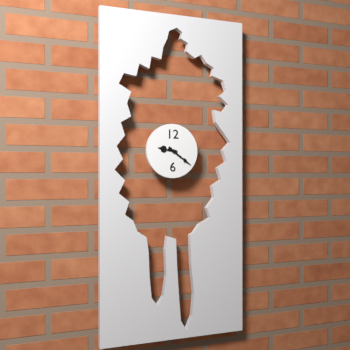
9:21
